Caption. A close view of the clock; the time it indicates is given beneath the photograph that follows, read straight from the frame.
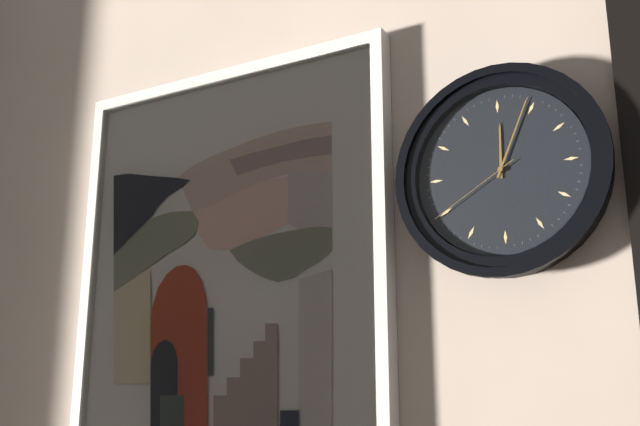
12:04:40
